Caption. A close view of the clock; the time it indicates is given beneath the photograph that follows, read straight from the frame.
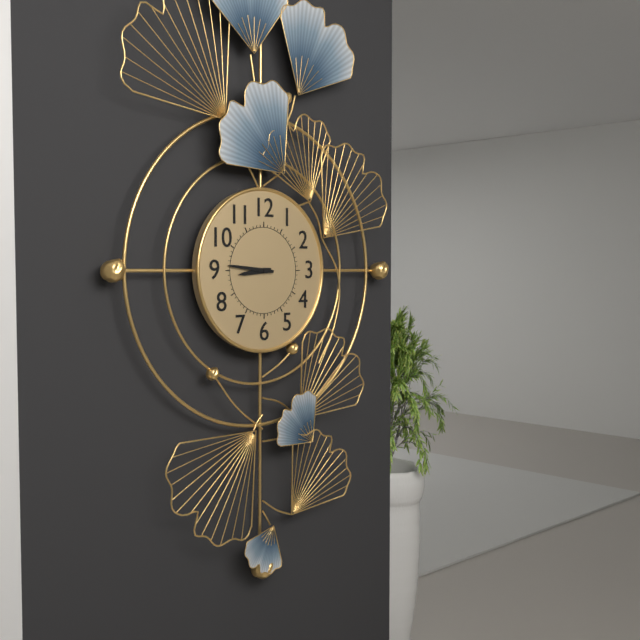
8:46
